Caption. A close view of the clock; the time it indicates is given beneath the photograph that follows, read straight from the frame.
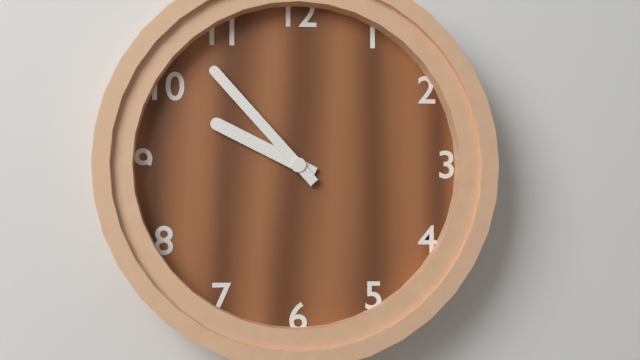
9:53
